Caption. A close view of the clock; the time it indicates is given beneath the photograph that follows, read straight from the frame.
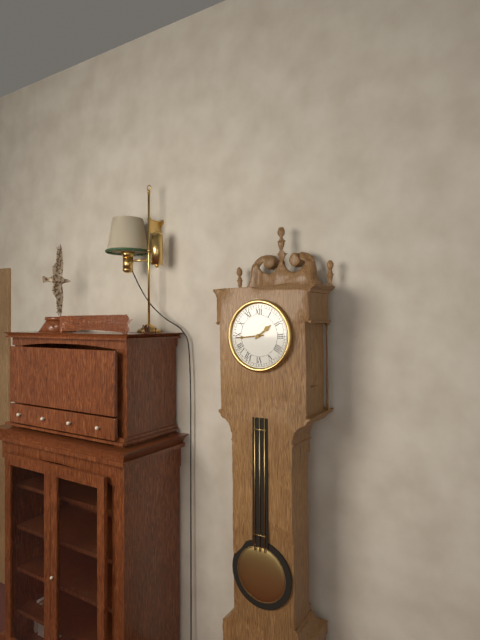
1:44
